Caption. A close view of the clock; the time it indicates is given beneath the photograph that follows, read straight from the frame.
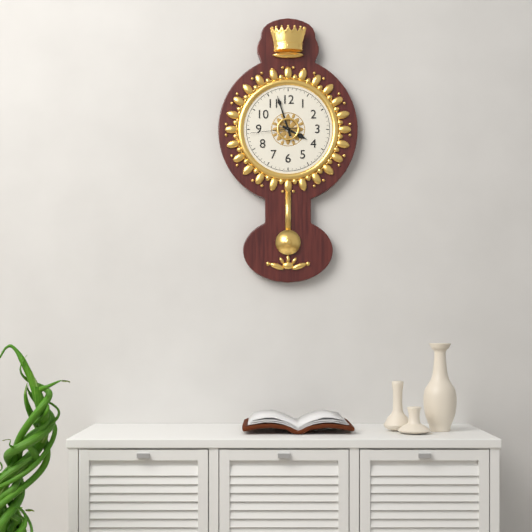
3:57
